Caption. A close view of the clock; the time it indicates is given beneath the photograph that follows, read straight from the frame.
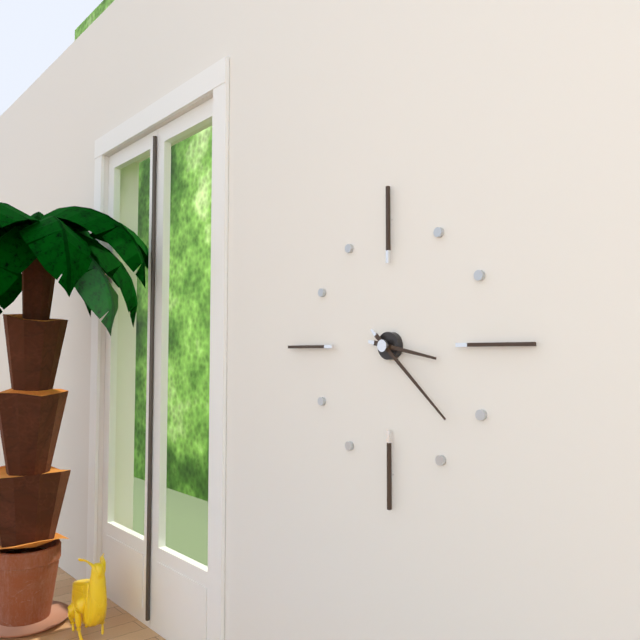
3:22
